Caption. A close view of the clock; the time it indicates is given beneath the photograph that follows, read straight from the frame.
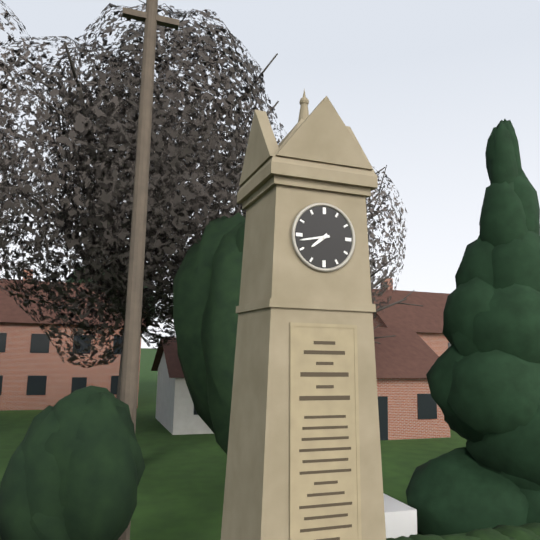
7:43
